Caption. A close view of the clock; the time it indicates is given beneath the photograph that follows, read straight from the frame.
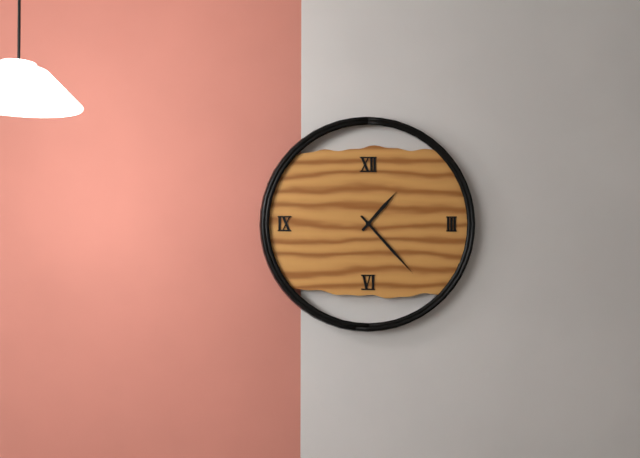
1:23
